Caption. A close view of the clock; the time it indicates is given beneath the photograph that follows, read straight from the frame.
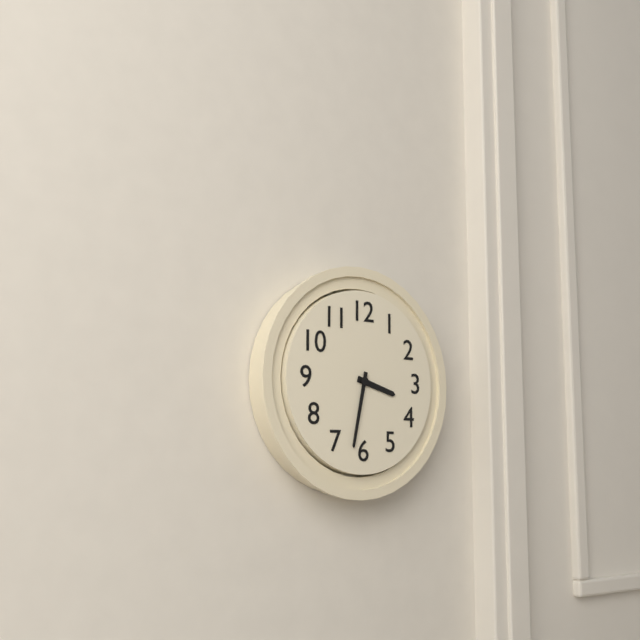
3:32
